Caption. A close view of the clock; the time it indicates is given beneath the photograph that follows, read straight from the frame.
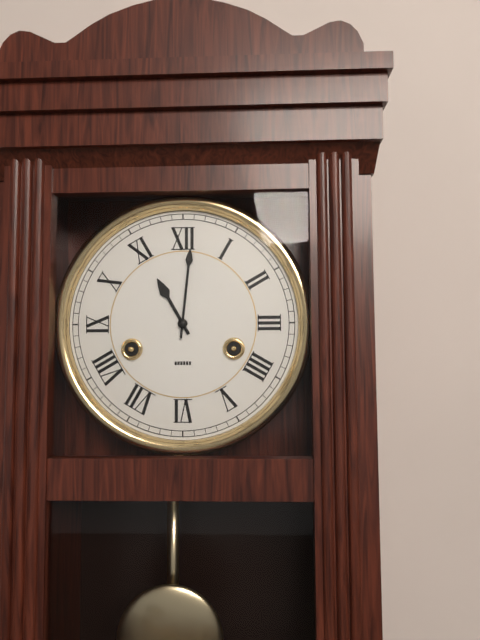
11:01
